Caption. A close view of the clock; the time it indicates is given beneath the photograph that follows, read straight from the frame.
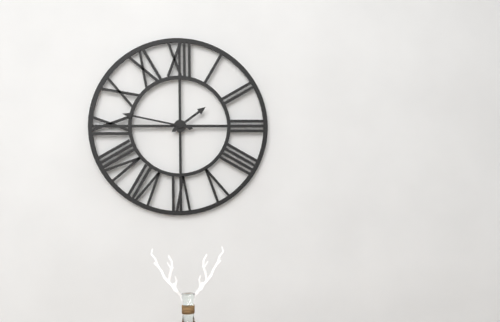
1:47
